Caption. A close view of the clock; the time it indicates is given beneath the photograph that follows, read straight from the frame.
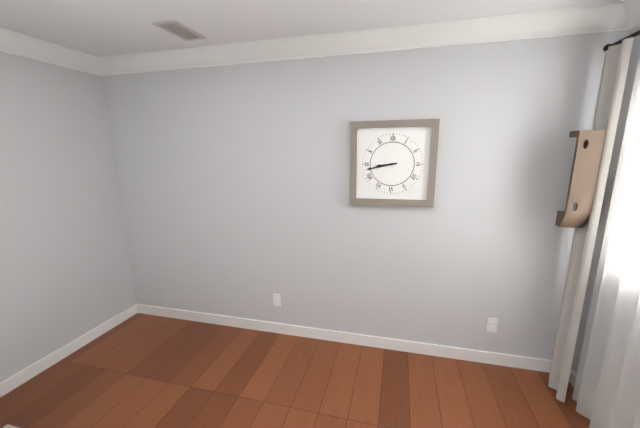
8:43
